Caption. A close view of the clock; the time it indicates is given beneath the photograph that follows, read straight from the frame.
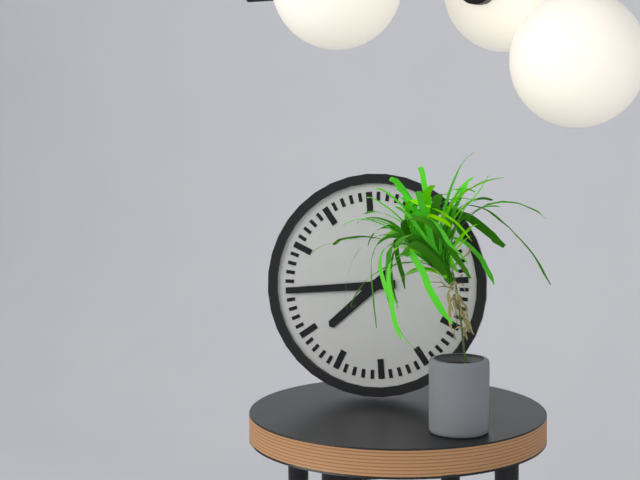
7:45
